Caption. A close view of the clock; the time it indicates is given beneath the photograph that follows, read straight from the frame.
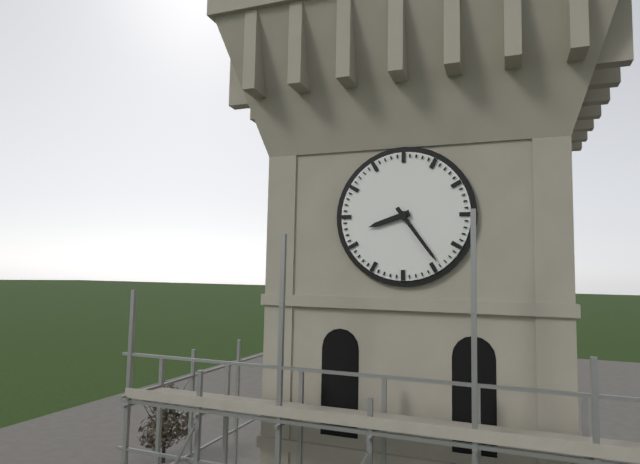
8:24
